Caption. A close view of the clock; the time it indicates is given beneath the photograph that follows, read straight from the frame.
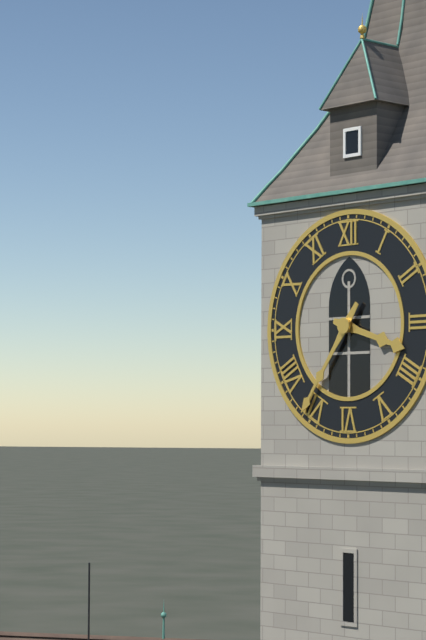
3:36
